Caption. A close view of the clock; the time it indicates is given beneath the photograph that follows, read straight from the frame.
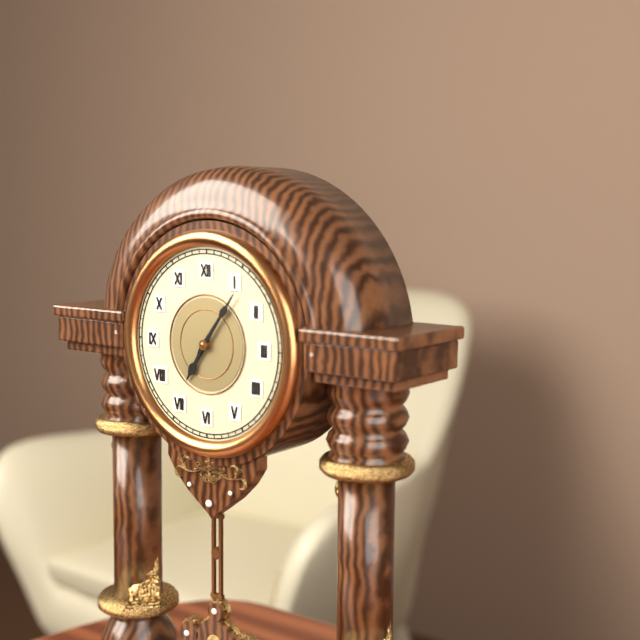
7:06
